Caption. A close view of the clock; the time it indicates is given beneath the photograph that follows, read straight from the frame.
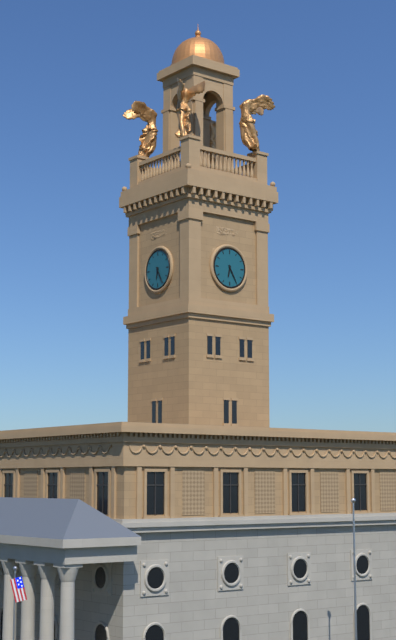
6:25
